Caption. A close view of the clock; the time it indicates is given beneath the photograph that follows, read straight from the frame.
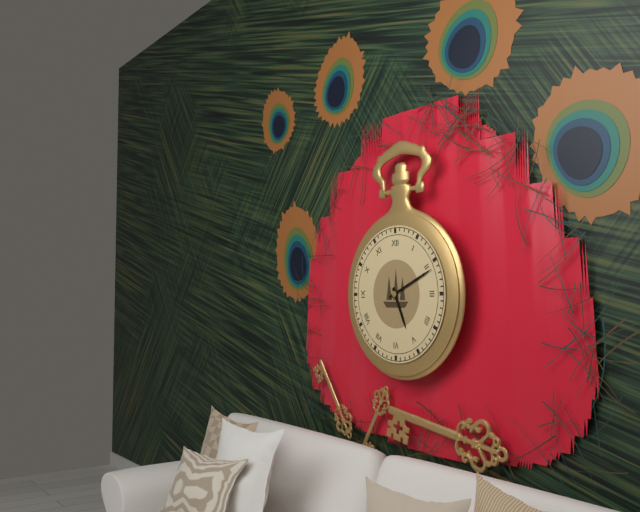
5:11
